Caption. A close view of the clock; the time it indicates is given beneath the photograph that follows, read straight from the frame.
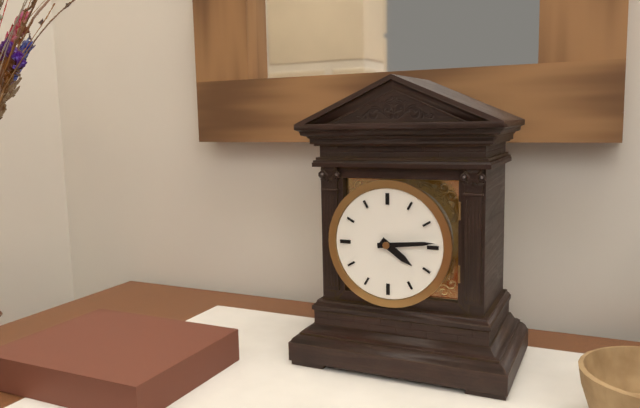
4:14
